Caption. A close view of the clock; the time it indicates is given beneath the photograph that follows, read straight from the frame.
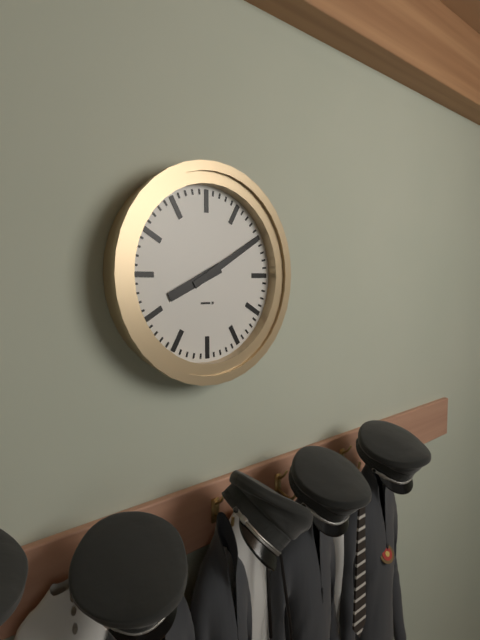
8:10
